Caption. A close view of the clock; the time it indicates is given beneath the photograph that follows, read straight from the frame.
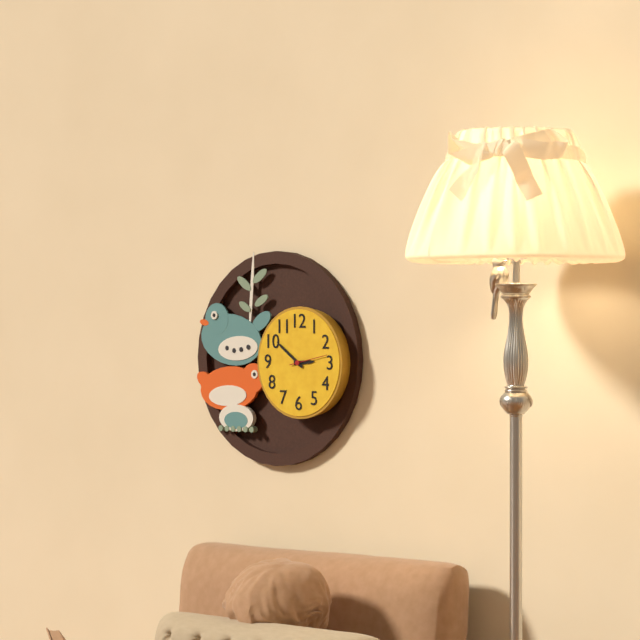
2:51
